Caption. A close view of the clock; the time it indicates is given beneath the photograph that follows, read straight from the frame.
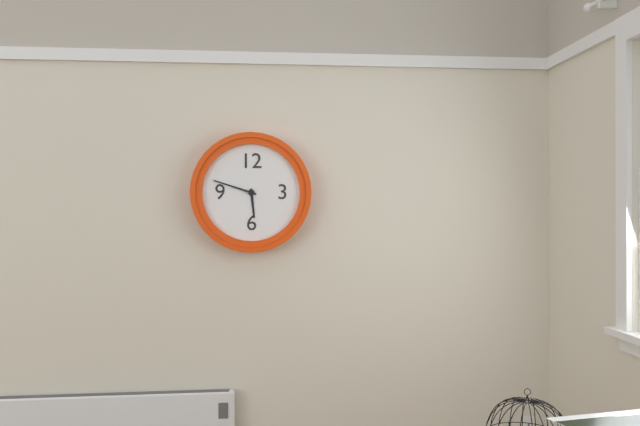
5:48
